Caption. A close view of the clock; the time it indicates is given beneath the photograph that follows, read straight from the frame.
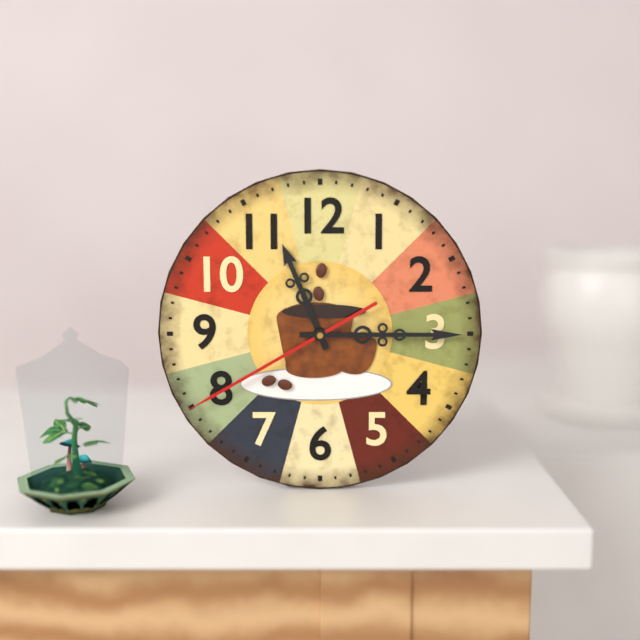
11:15:40
